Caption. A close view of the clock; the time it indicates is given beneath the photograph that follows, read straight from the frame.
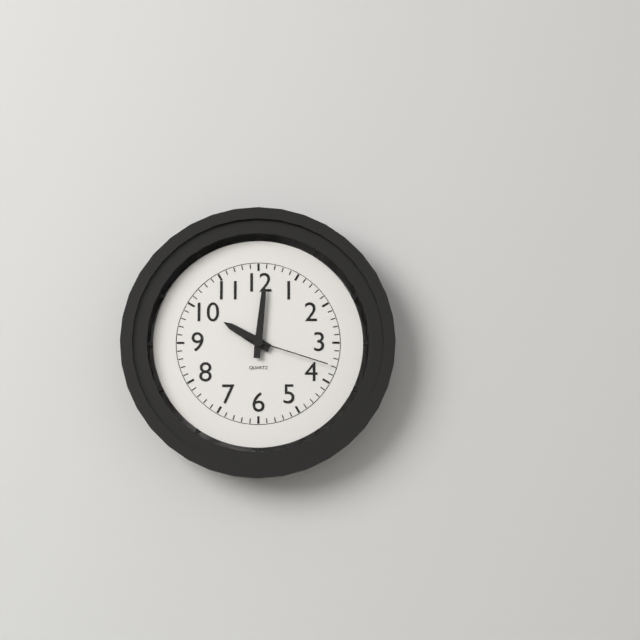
10:01:18
